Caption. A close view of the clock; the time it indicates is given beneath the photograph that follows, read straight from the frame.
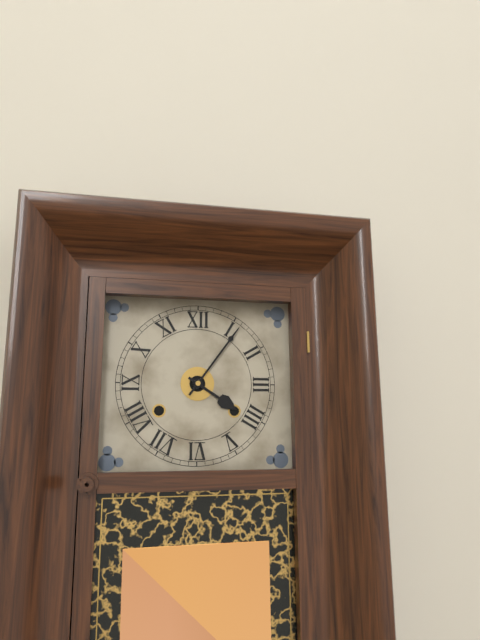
4:06
